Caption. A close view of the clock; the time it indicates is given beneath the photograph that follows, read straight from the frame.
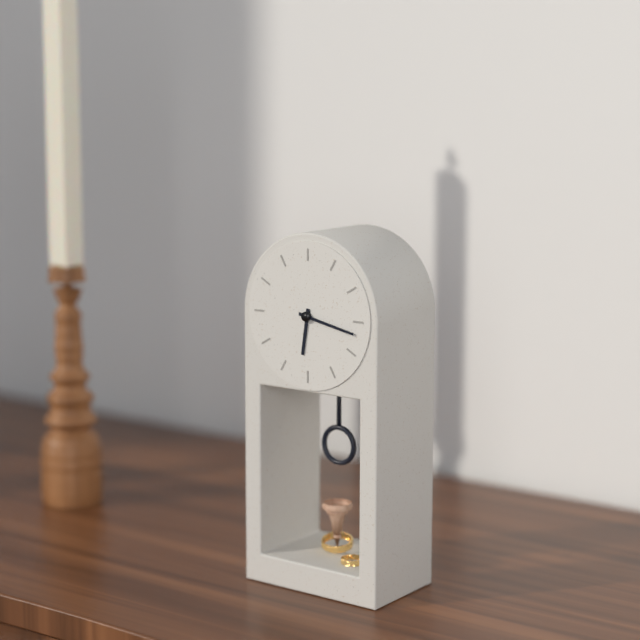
6:17
